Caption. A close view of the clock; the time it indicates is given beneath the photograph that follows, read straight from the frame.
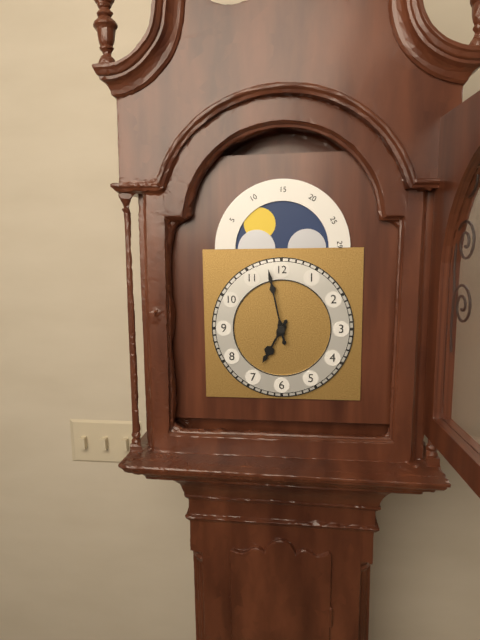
6:58
